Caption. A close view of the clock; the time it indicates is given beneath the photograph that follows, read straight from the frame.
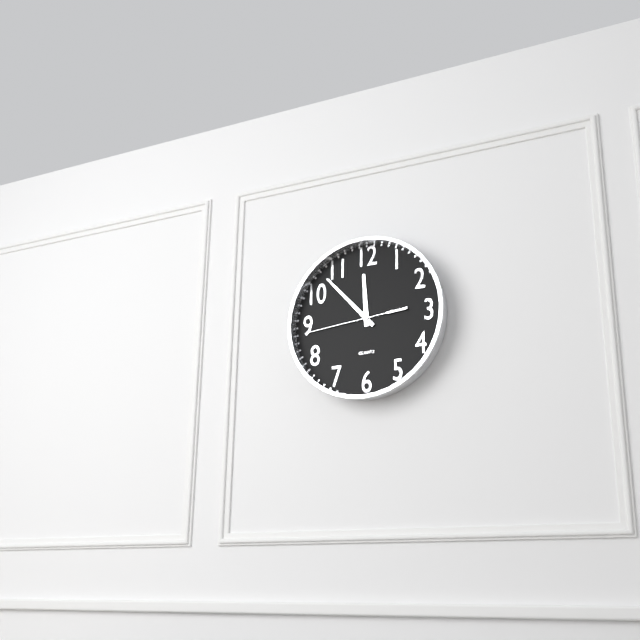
11:53:44
